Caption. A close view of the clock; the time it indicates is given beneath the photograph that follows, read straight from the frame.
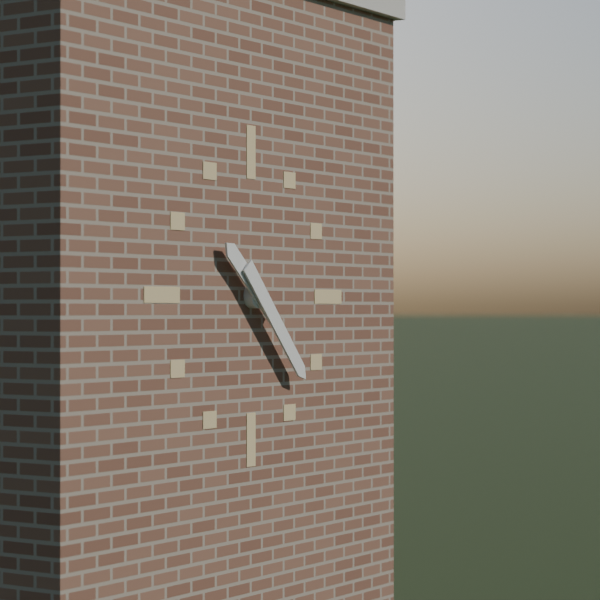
10:23
